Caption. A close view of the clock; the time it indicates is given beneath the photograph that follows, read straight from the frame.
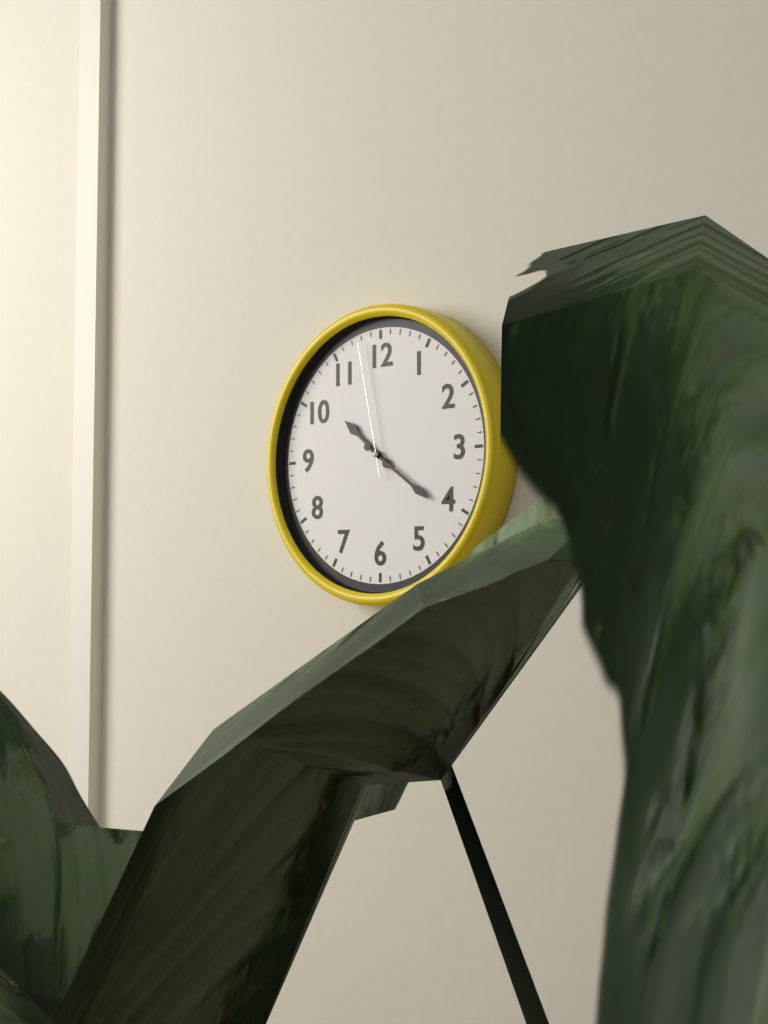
10:21:58
